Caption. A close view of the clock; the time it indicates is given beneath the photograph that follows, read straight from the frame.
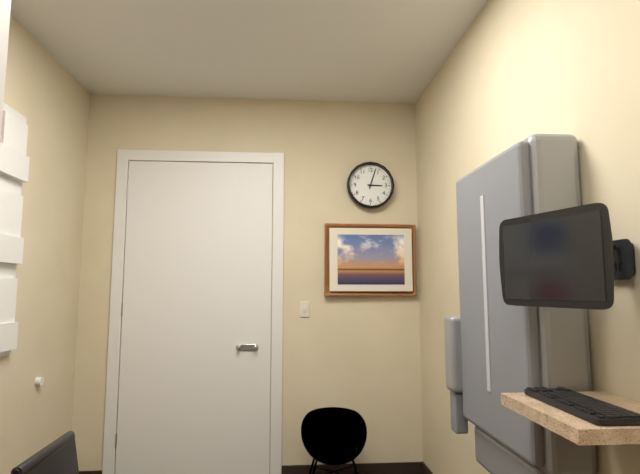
3:03
